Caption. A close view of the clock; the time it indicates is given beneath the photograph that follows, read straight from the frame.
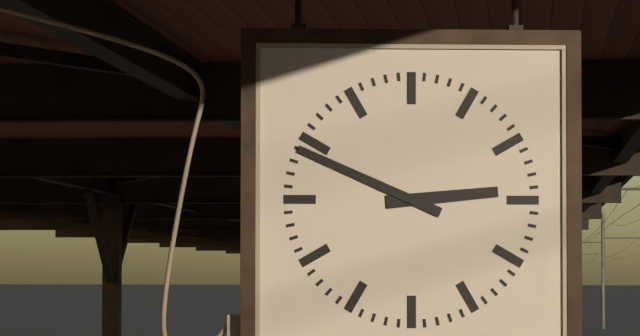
2:49
